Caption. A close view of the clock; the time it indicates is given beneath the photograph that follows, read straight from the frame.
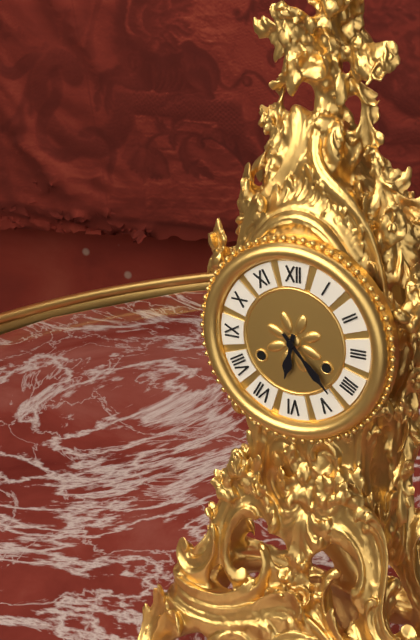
6:23
